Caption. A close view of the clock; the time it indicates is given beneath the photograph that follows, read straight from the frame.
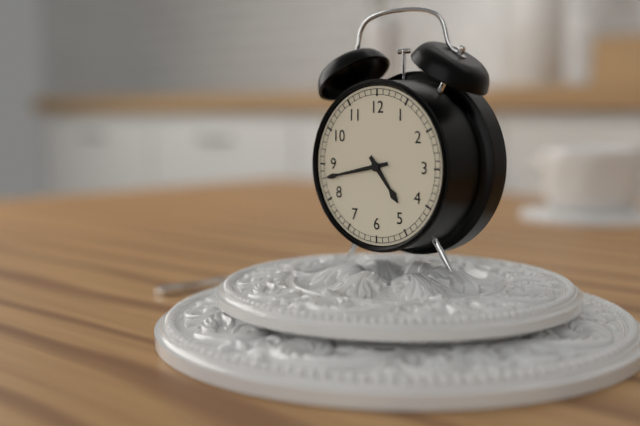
4:43
